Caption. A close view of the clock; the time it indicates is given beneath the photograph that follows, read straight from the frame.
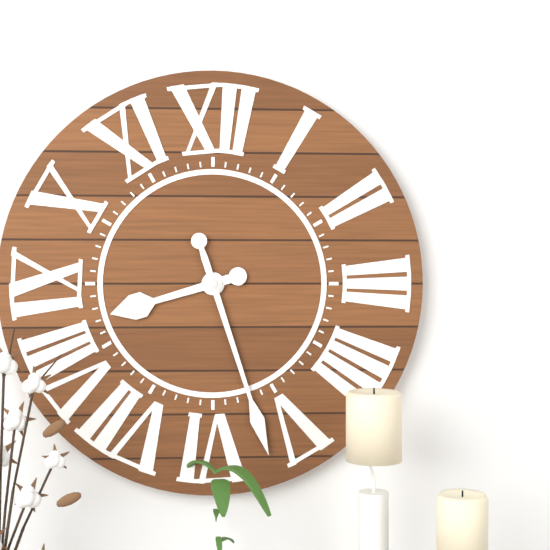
8:27
